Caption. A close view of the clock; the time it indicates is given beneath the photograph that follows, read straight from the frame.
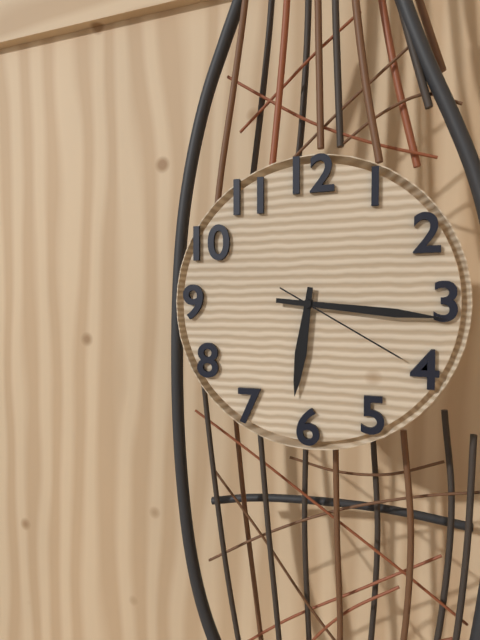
6:16:20
